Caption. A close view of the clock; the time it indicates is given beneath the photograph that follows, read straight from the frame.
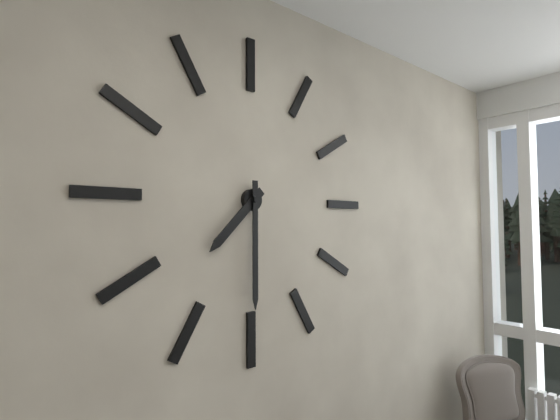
7:30
